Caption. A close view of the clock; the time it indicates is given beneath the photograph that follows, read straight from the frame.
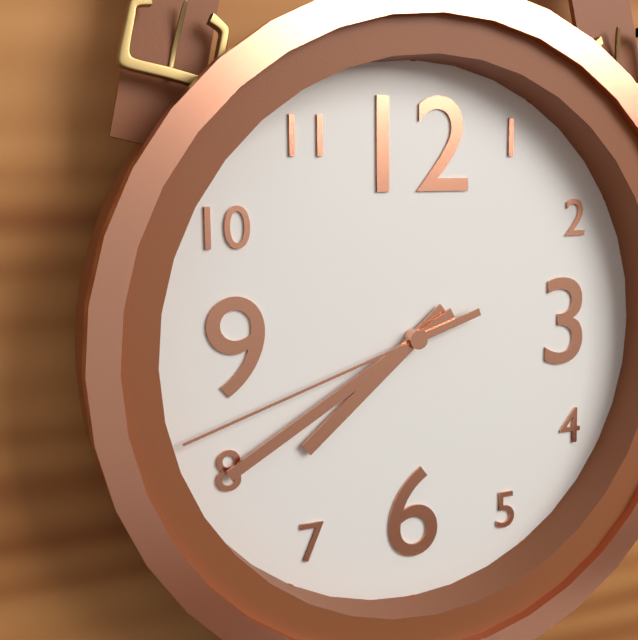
7:40:42
